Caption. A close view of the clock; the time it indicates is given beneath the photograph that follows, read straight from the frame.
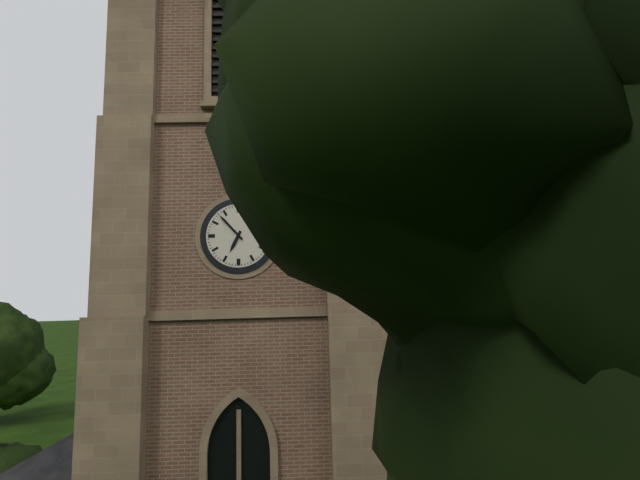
6:53
